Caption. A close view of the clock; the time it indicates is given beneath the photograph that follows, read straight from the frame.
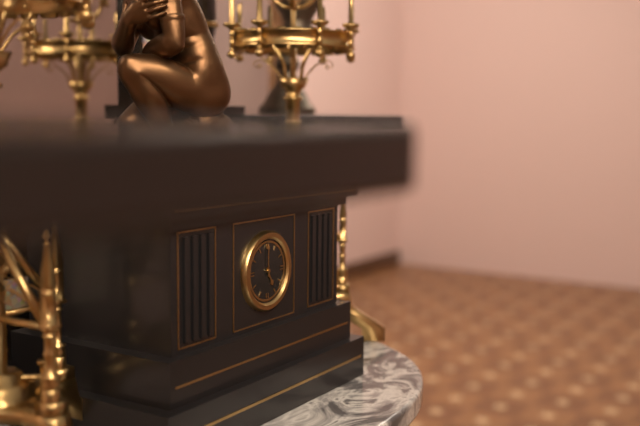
5:00
